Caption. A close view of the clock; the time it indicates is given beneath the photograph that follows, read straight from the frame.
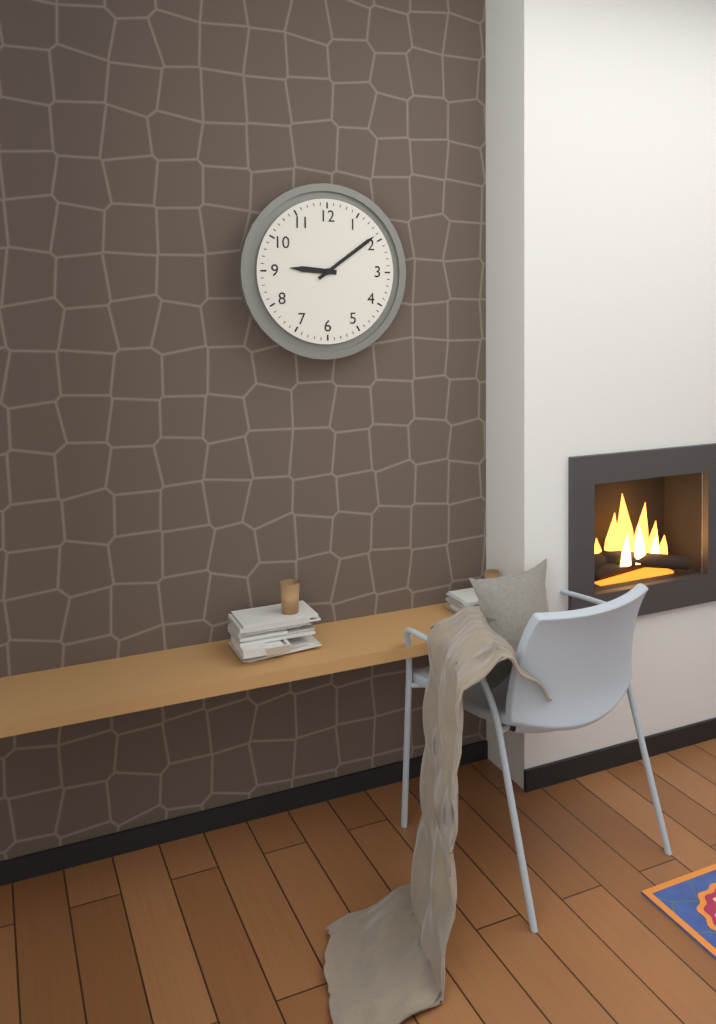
9:09
